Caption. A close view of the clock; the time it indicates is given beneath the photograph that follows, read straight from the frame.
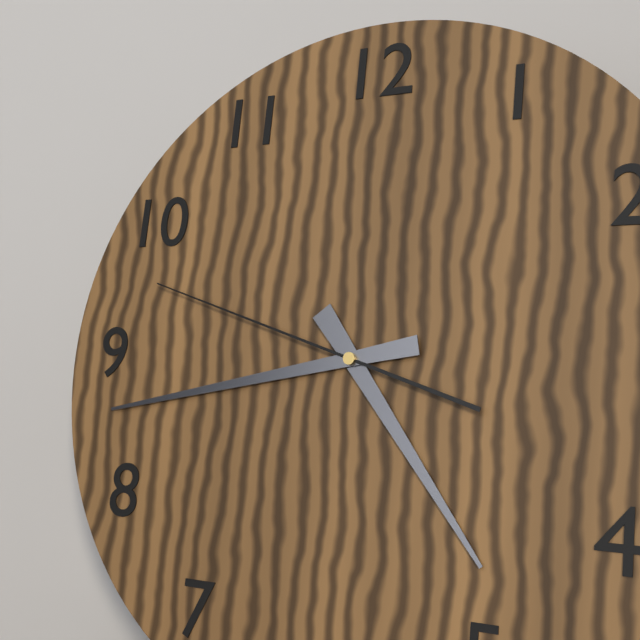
4:43:48
